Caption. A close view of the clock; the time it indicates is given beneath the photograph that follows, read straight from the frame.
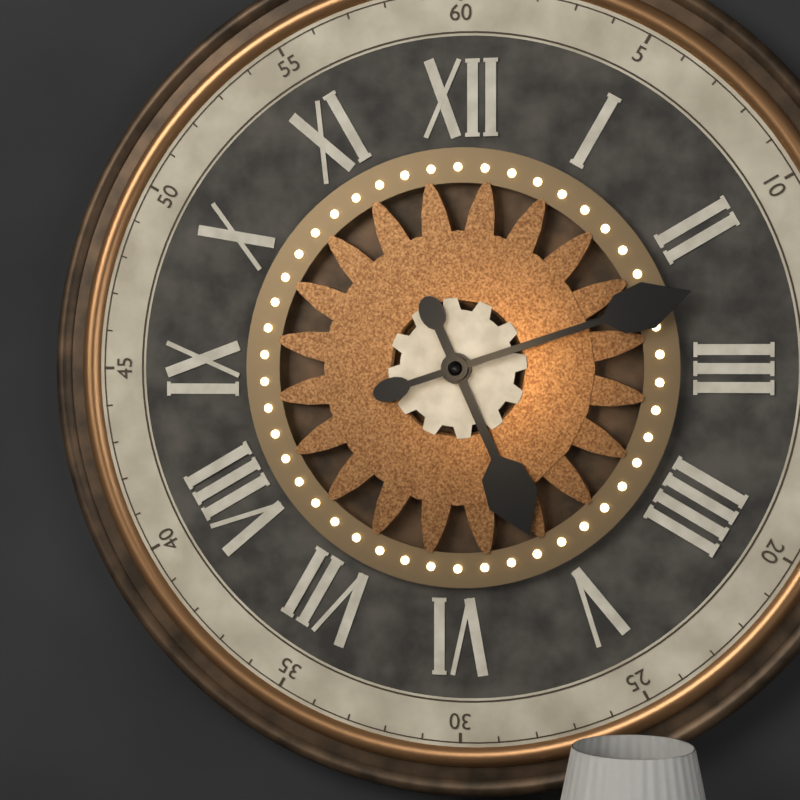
5:12
